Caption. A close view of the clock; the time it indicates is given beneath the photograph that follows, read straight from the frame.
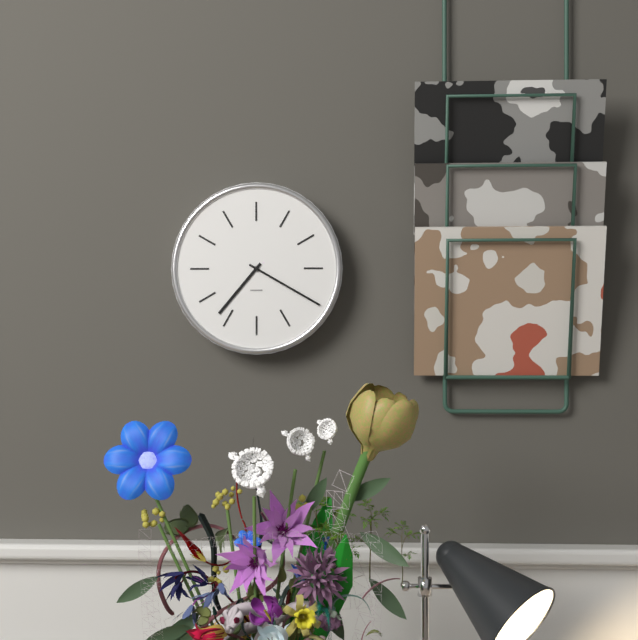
7:20
